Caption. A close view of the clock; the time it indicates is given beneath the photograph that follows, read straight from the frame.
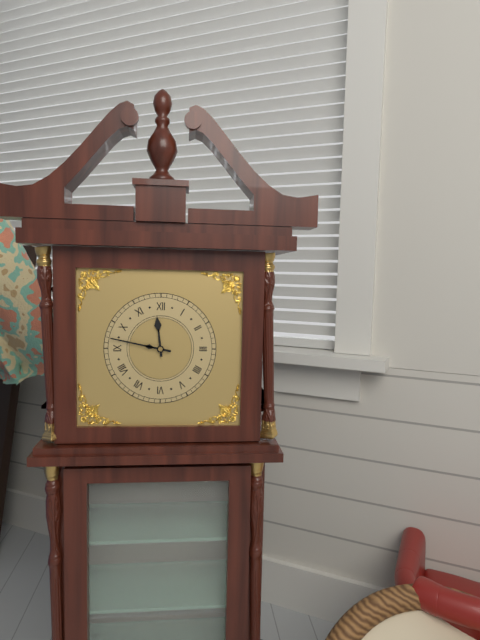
11:47
